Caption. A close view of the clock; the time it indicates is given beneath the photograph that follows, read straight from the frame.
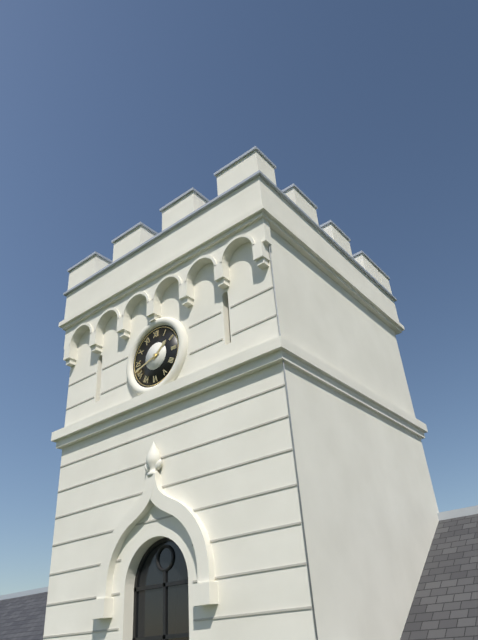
1:42
